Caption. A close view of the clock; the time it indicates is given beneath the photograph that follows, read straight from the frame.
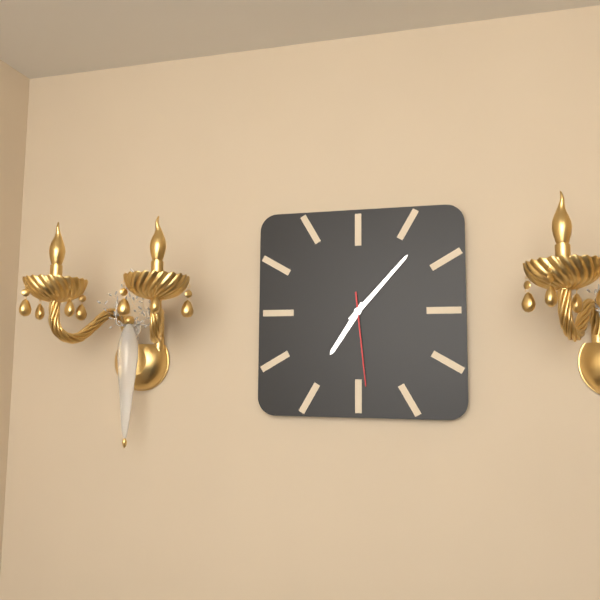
7:07:29
